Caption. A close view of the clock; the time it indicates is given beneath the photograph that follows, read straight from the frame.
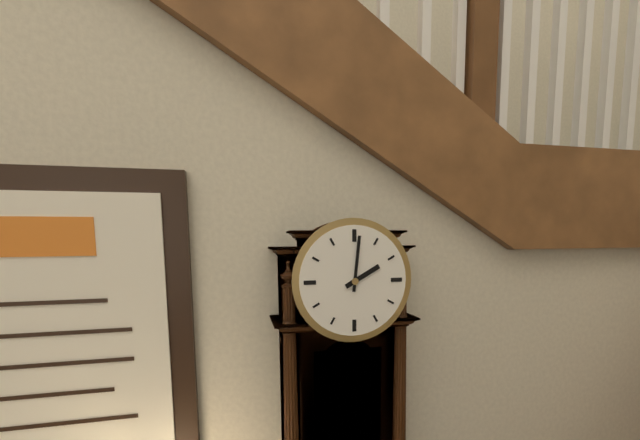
2:01
